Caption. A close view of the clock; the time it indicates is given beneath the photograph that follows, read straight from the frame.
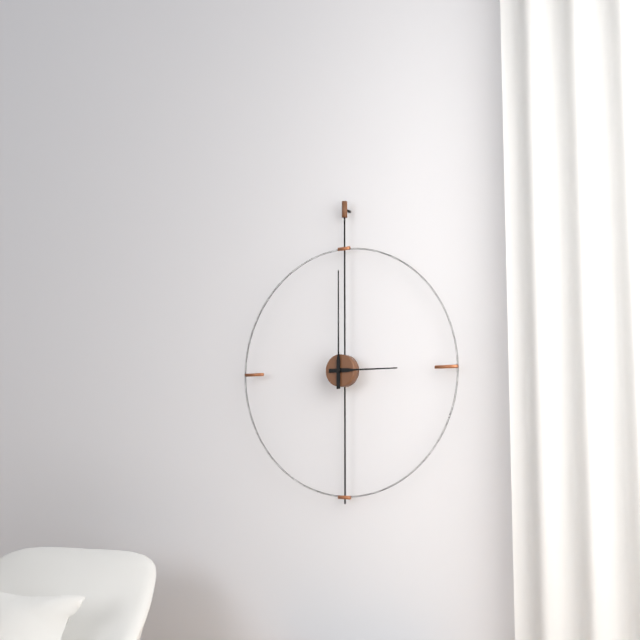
3:00
